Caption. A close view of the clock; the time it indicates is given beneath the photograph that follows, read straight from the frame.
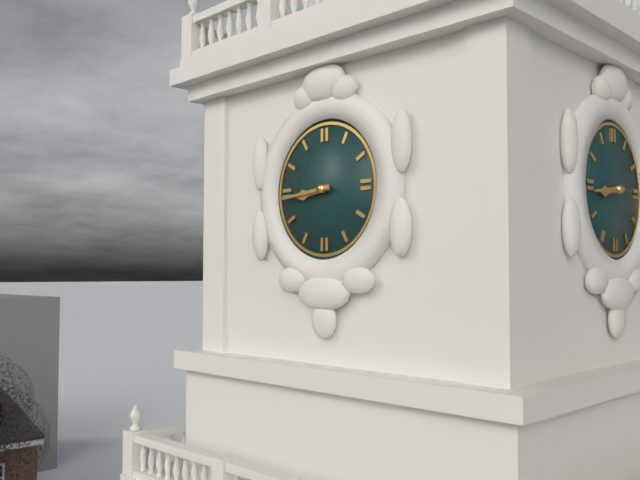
8:44
